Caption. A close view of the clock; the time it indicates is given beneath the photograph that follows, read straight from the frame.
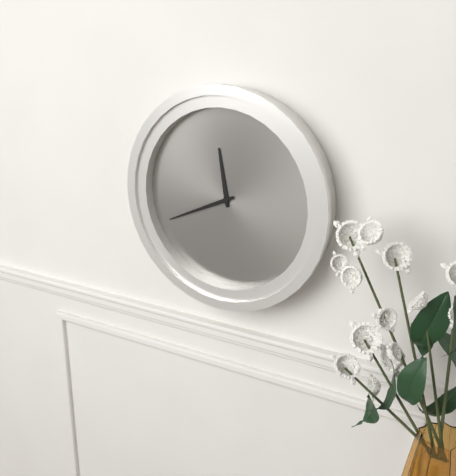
11:41
